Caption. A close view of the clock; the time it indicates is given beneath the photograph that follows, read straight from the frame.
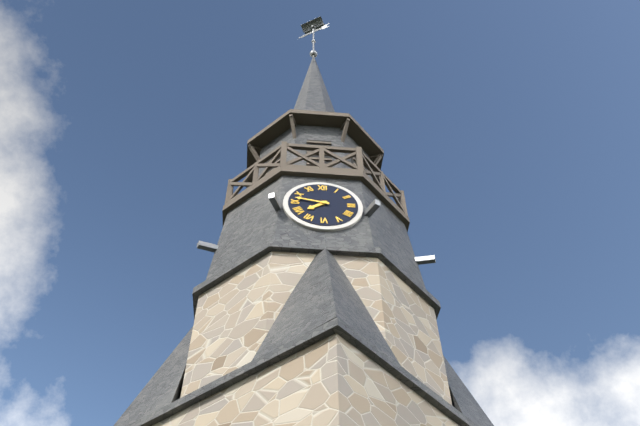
7:47
